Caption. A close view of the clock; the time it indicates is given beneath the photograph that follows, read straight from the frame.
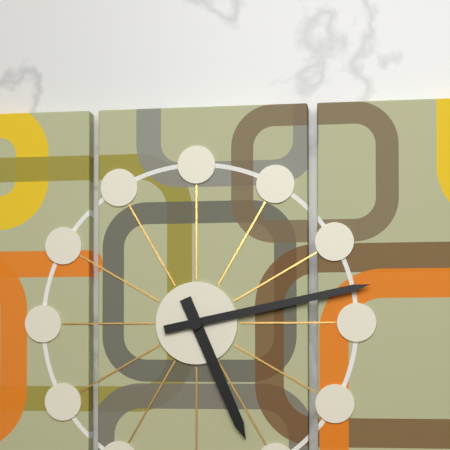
5:13
